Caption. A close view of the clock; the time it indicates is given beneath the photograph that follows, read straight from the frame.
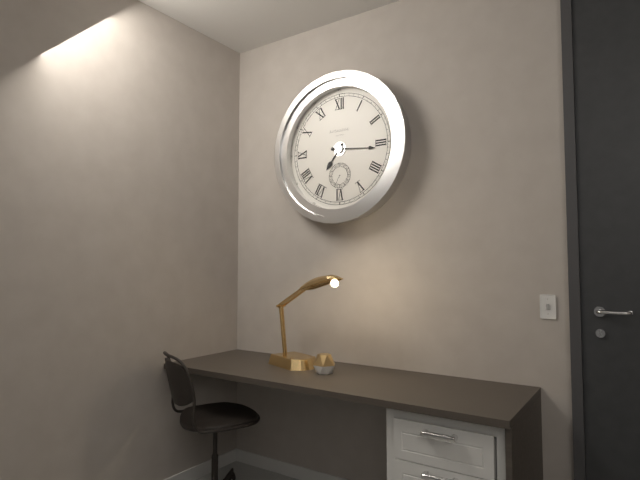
7:16
